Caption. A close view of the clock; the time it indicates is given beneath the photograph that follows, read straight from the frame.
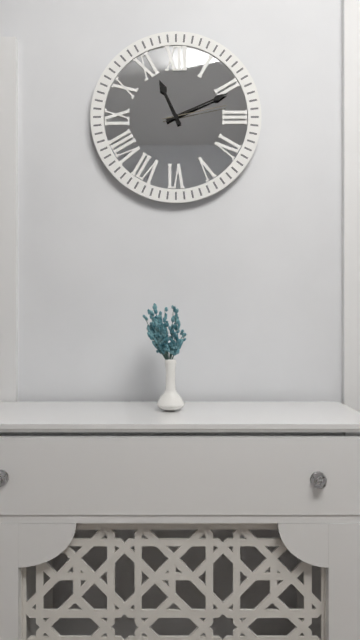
11:11:13
